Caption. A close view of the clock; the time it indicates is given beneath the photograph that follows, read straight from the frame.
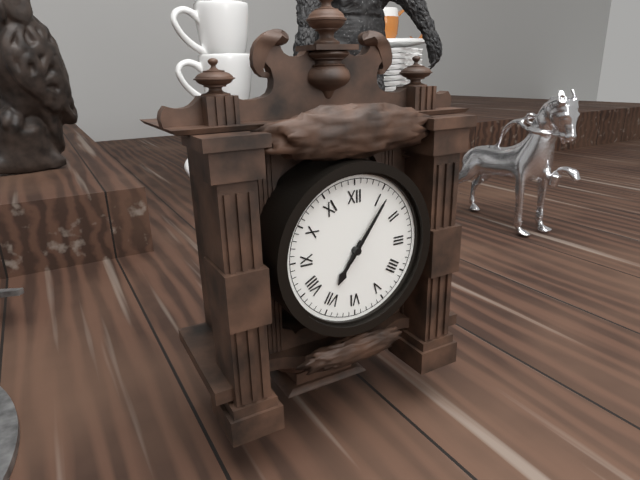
7:06
